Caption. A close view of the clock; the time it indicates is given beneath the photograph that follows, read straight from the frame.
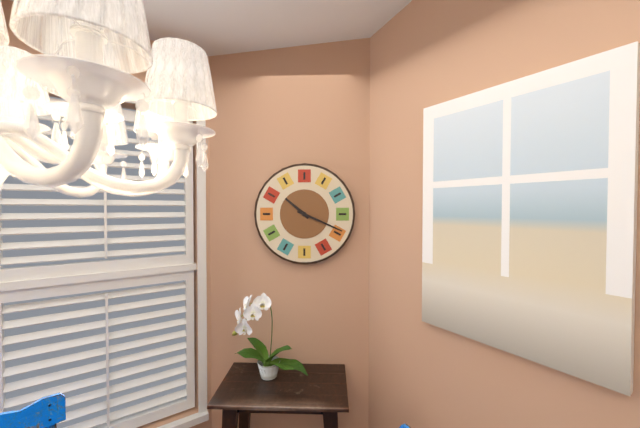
10:19
